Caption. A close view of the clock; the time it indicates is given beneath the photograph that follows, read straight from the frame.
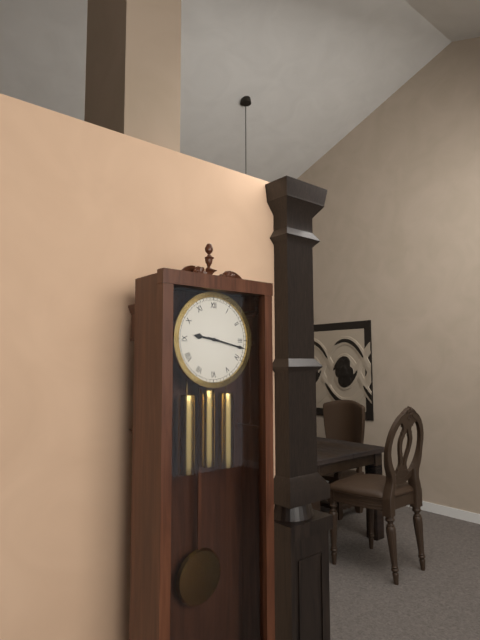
9:17
